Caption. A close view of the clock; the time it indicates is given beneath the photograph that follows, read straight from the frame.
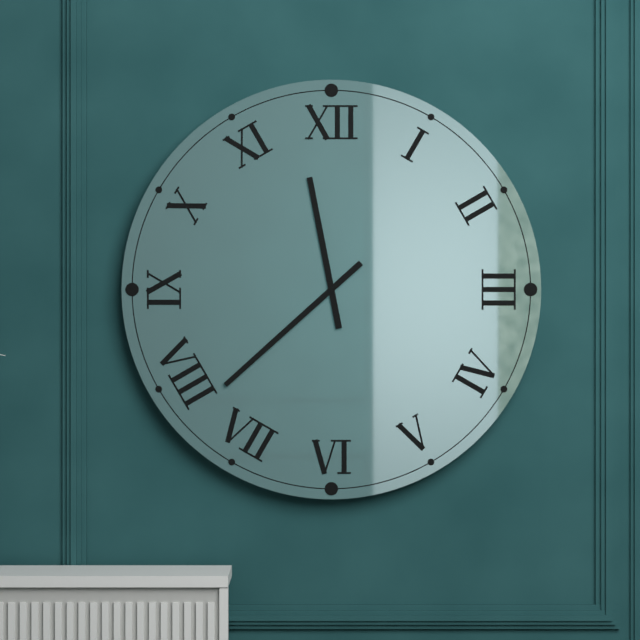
11:38
